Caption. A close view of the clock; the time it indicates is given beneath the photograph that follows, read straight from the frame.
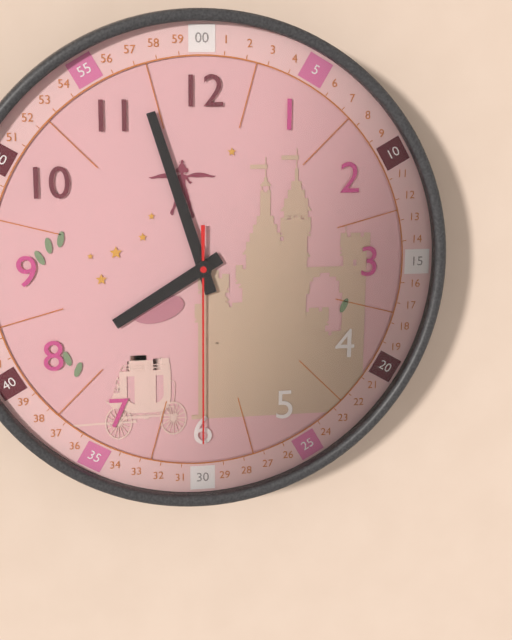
7:57:30
